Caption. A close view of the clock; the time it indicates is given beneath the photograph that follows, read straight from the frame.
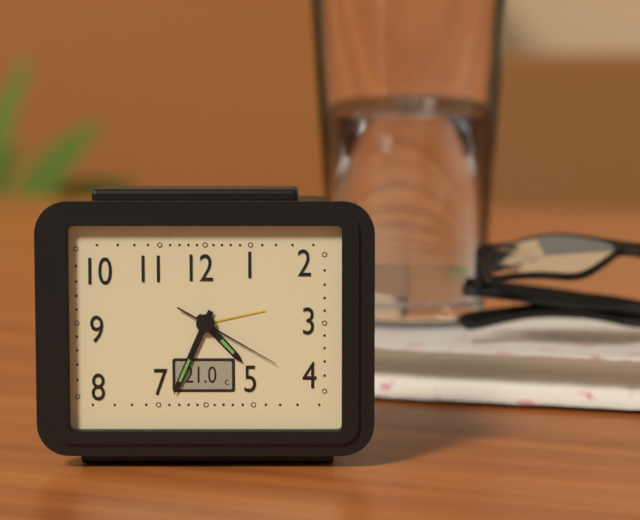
4:34:20
